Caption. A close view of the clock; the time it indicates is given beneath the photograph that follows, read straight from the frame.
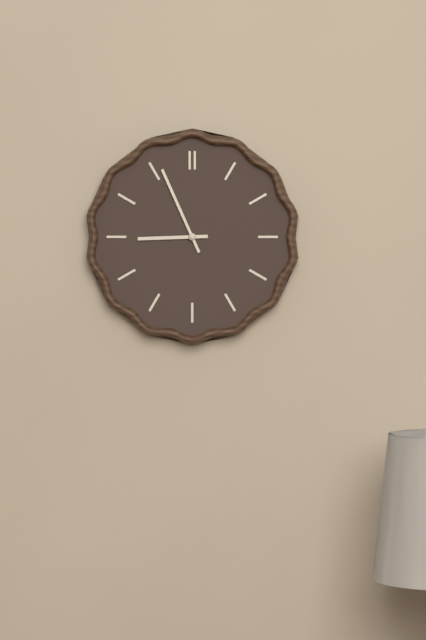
8:56
